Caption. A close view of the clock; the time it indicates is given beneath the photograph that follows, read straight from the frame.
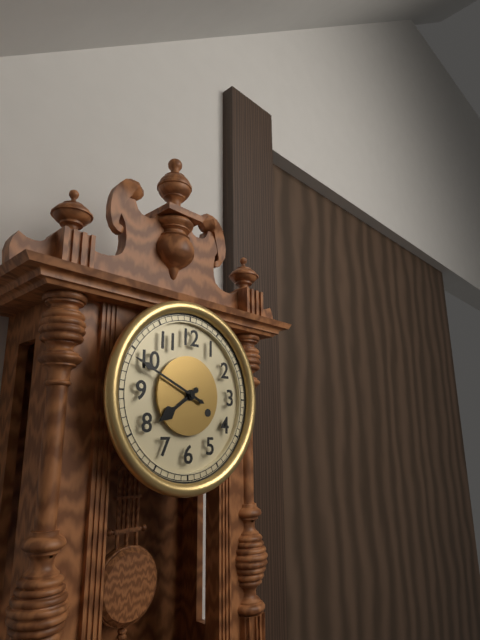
7:49
